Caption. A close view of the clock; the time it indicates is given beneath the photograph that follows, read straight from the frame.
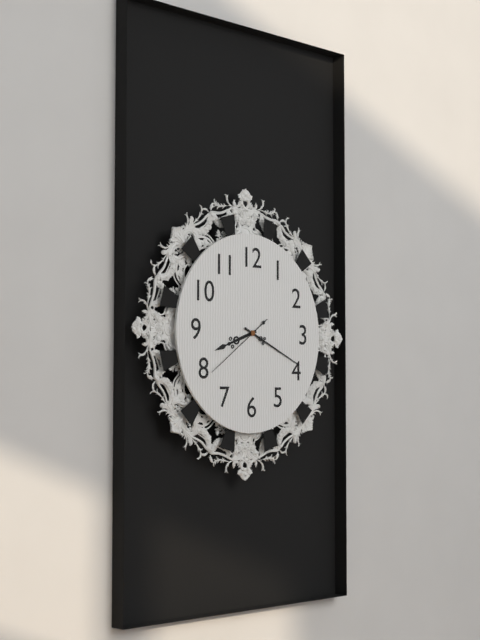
8:19:39
